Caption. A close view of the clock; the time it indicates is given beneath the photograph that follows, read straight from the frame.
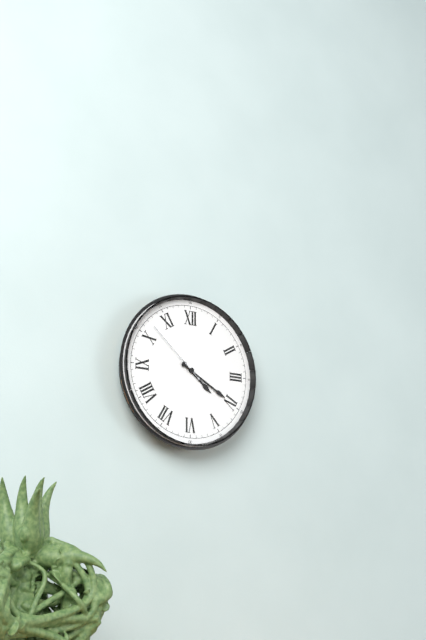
4:20:52
